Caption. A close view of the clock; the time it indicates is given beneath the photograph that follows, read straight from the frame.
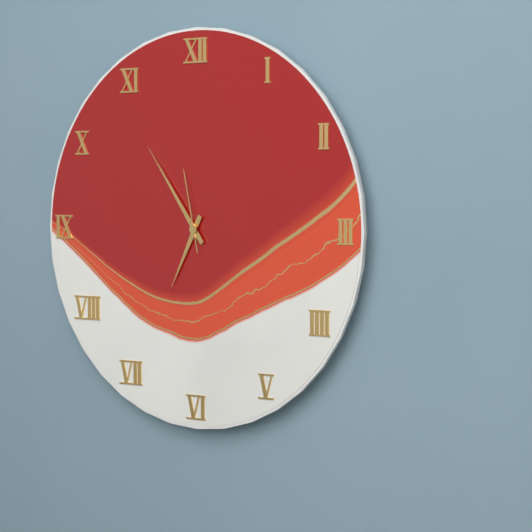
6:54:58
